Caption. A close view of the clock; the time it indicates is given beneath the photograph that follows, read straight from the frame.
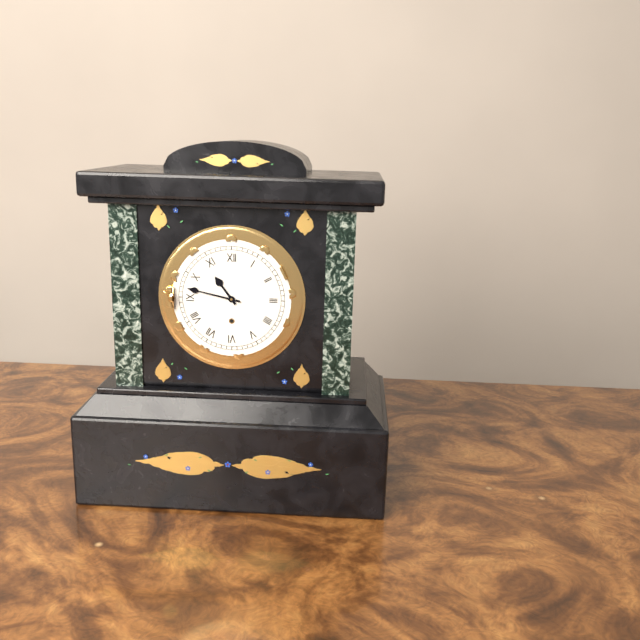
10:47
